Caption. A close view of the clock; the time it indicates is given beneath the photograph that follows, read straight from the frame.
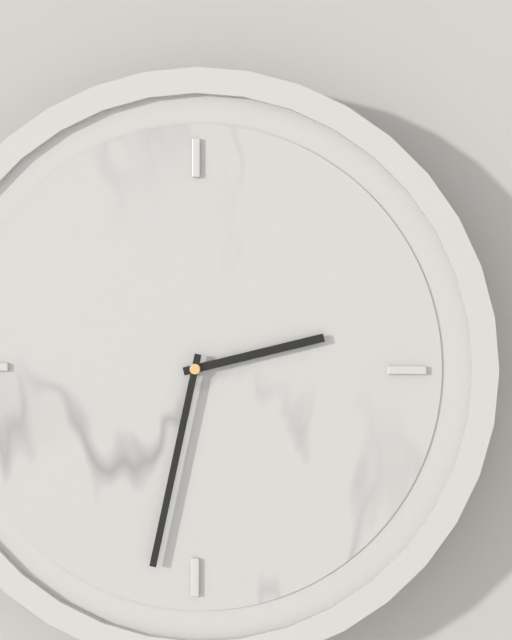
2:32
